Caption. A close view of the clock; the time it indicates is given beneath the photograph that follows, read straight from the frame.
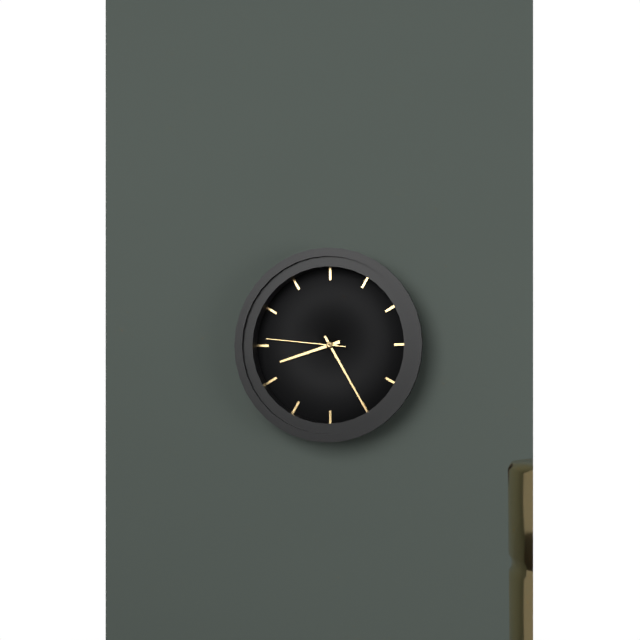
8:25:46
